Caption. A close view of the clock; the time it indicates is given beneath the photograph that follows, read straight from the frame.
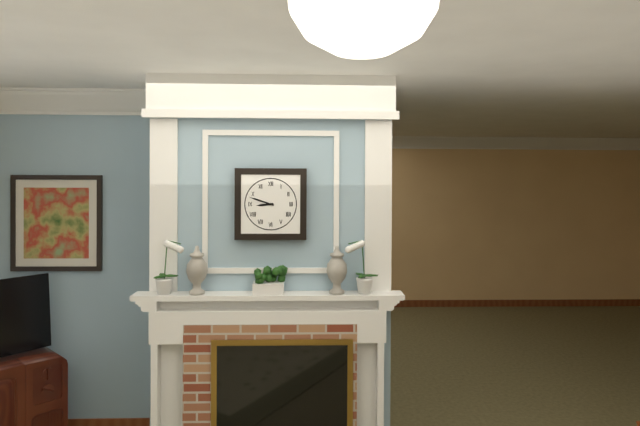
8:48
